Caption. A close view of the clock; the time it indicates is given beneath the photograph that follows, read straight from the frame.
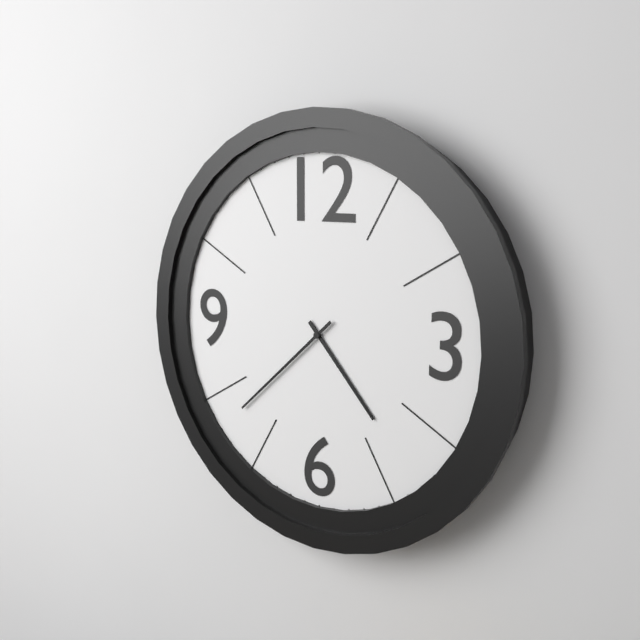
4:38
